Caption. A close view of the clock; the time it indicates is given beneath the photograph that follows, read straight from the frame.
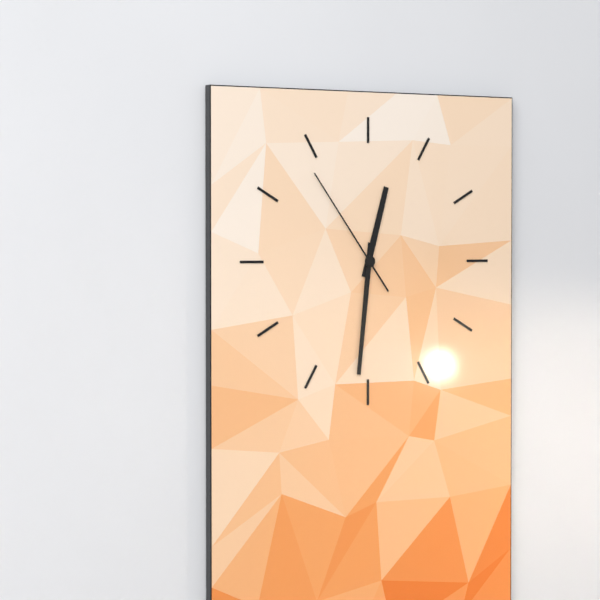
12:31:54
